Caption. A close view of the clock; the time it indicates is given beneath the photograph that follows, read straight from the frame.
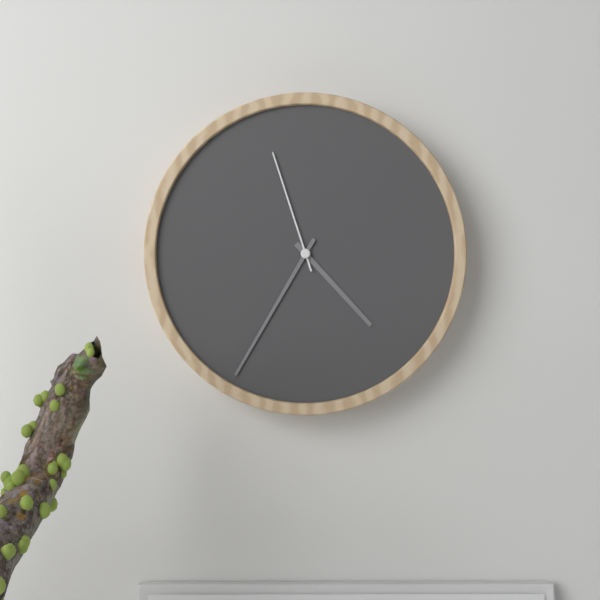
4:35:57
